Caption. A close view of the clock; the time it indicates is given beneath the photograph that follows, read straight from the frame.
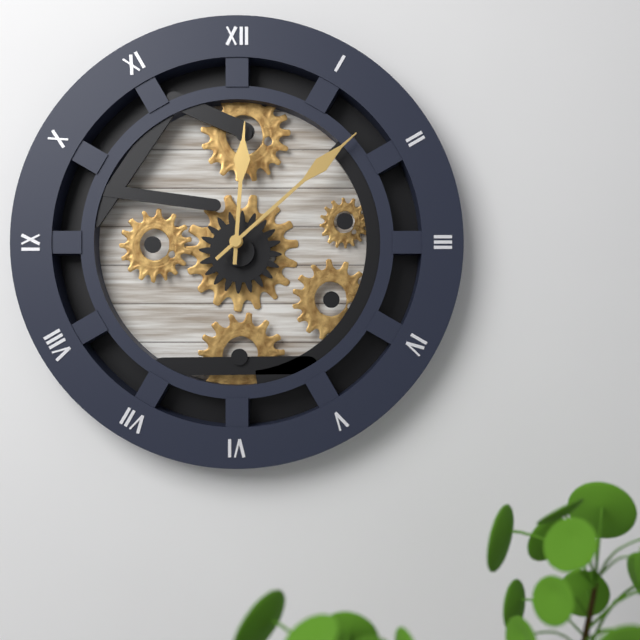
12:08
